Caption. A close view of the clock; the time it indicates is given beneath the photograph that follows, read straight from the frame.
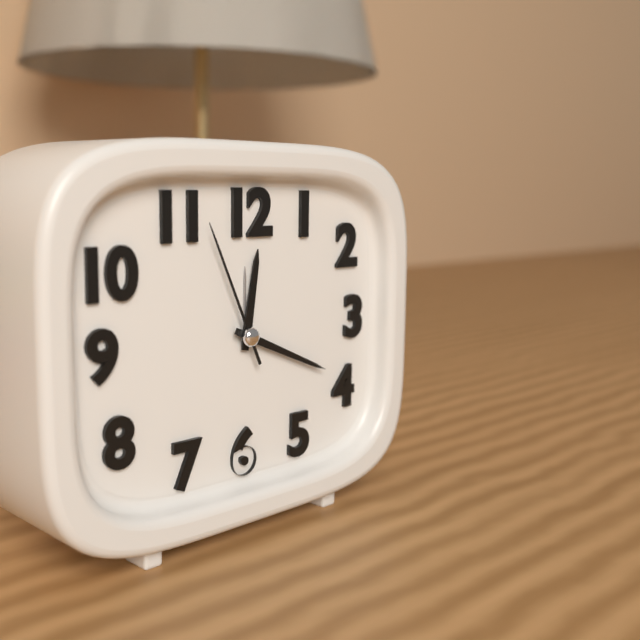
12:19:56
